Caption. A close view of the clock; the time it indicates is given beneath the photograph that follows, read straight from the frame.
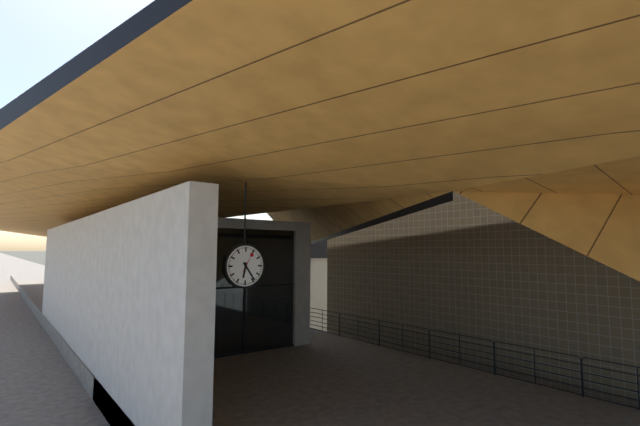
6:24
